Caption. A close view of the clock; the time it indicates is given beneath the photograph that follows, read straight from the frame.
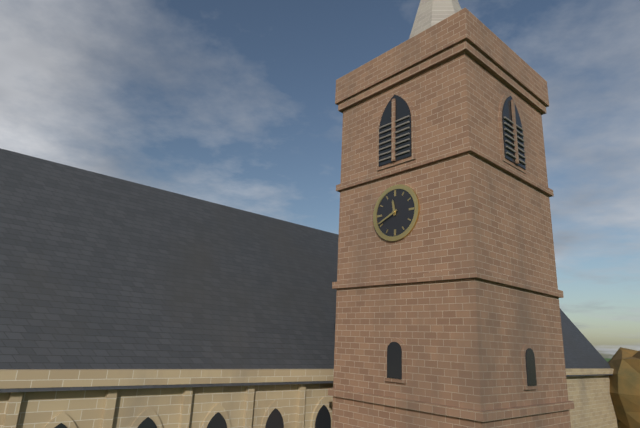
11:41
